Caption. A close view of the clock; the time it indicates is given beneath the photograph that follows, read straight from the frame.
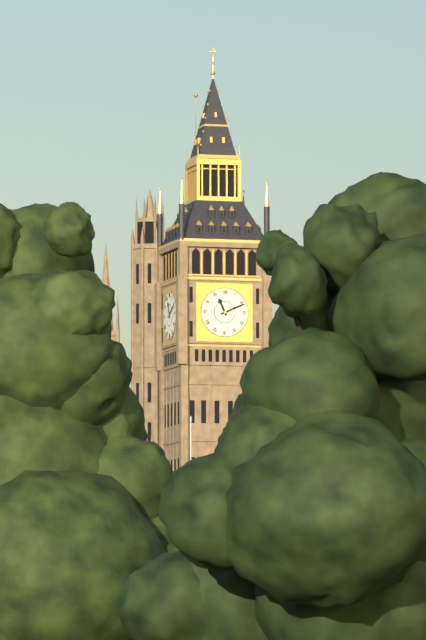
11:11
